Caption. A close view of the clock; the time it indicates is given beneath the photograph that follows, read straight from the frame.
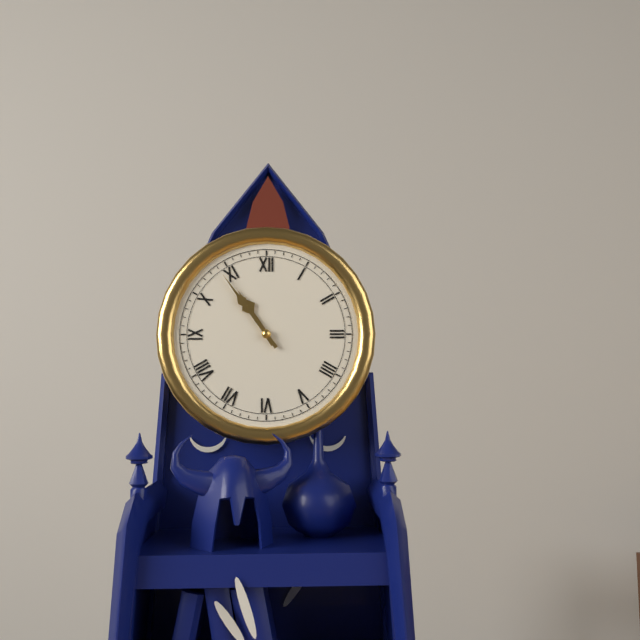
10:54
